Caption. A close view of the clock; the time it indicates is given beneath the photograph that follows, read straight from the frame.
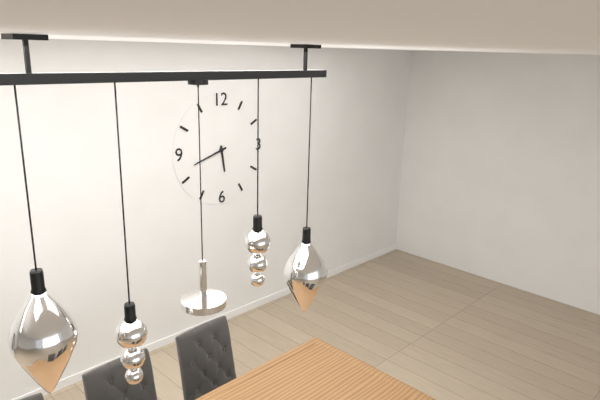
5:42
